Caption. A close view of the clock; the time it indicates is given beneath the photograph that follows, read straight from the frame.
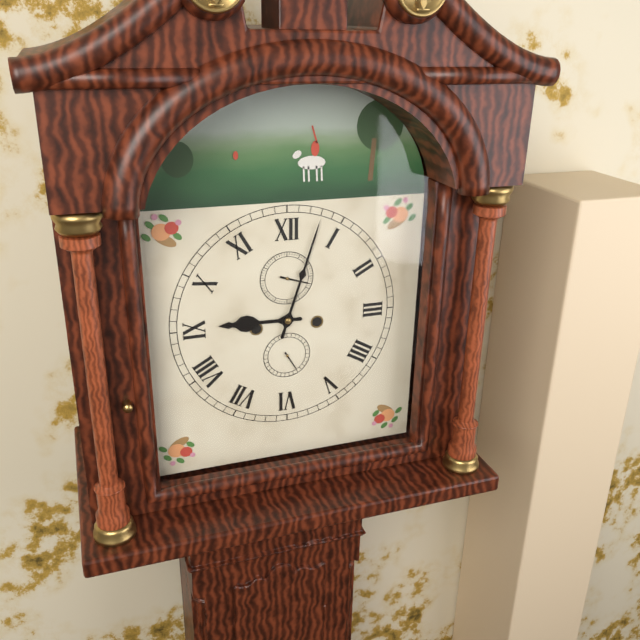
9:03
